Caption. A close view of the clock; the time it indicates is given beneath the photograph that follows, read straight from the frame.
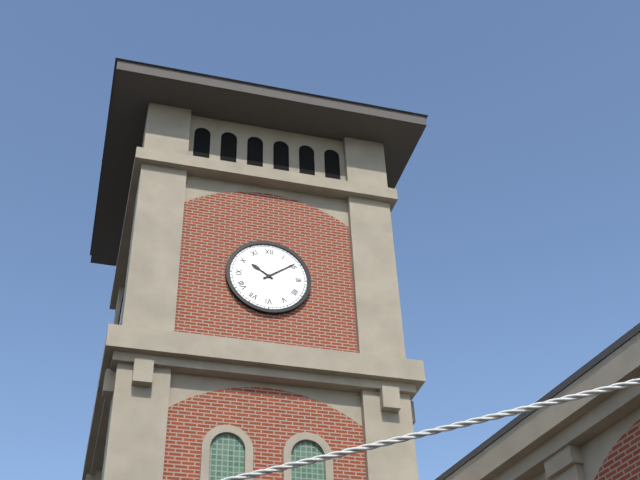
10:09
